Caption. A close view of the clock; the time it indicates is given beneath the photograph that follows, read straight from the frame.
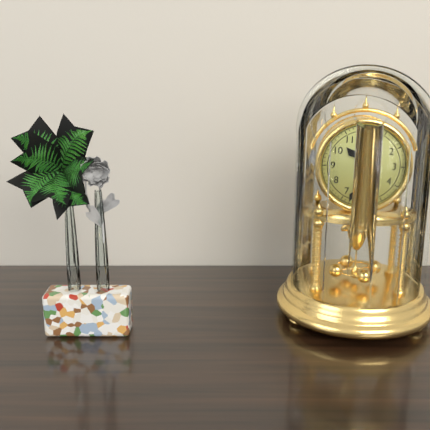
10:33
